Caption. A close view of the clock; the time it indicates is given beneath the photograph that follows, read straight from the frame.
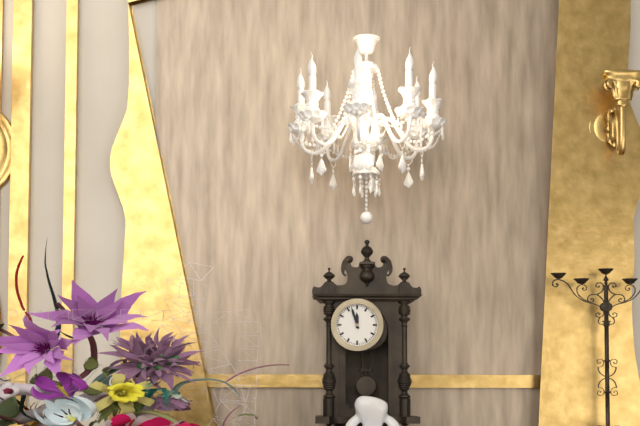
11:57
